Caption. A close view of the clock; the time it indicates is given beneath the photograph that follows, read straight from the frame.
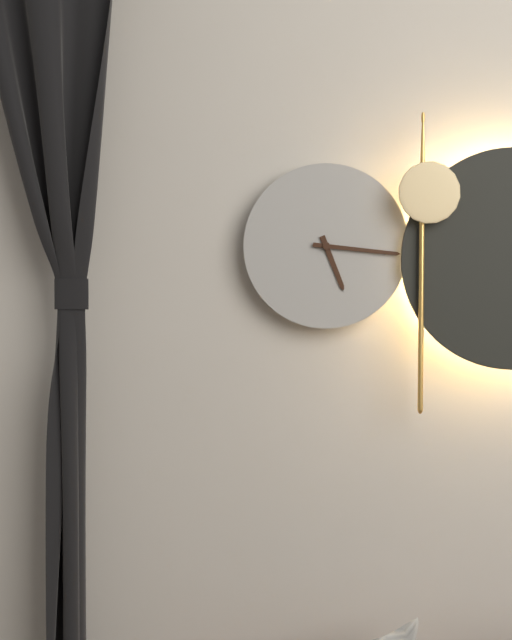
5:16
